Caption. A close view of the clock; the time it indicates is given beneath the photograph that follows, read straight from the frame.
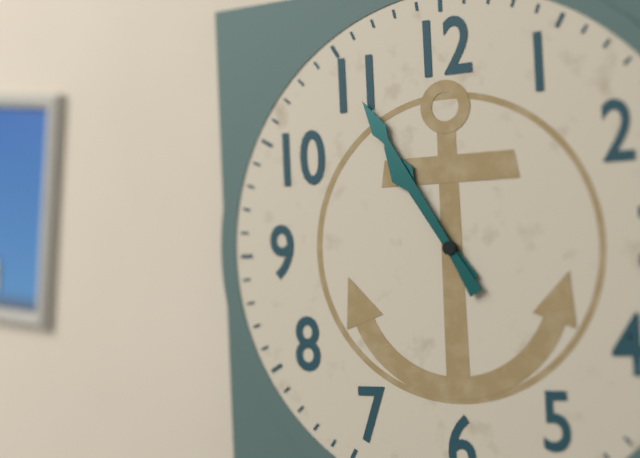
10:55
